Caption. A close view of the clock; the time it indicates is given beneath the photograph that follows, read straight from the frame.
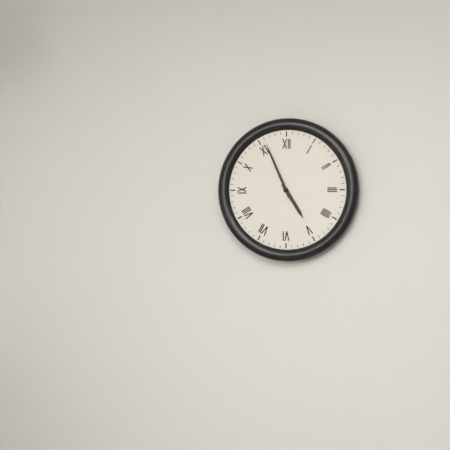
4:56
